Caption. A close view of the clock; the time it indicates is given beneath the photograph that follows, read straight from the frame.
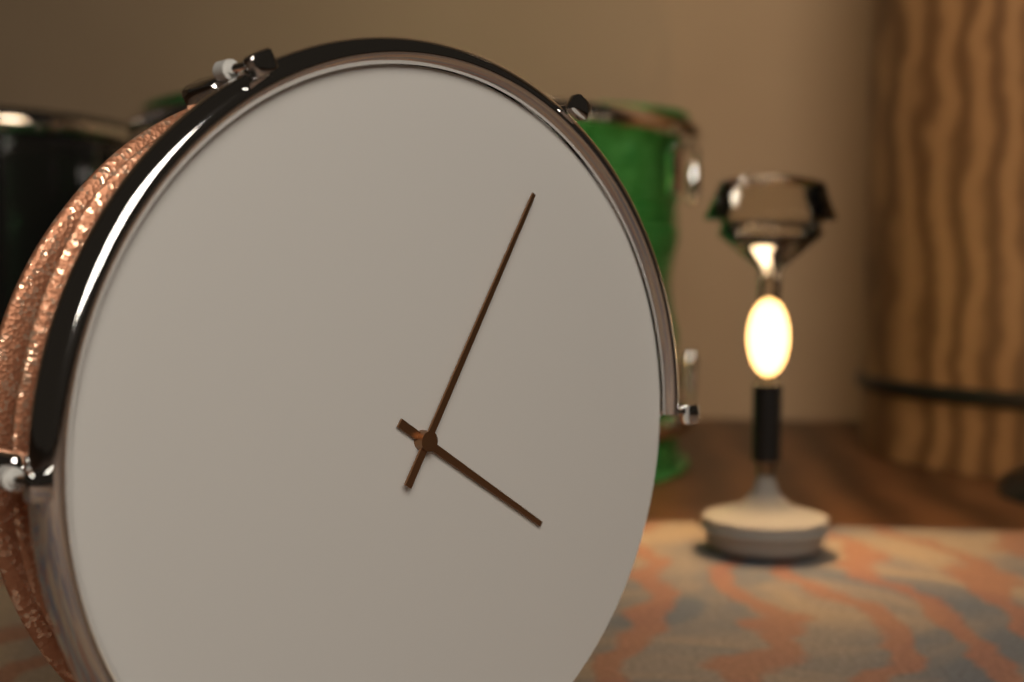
4:05
